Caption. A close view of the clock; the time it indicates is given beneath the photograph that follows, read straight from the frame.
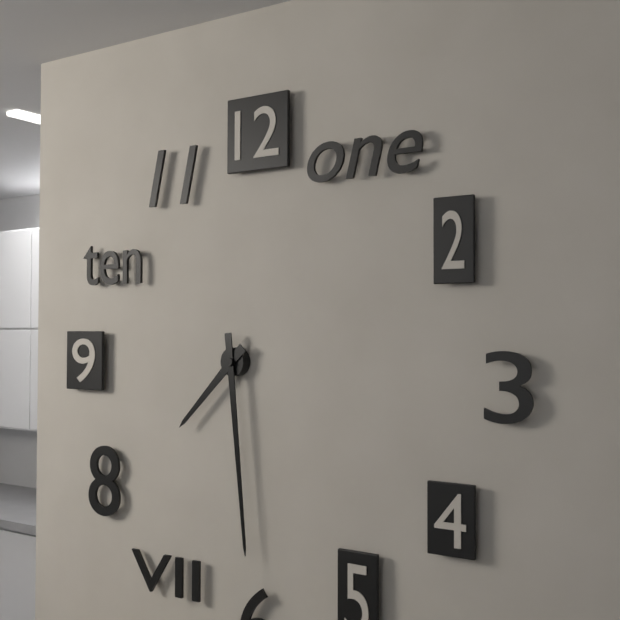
7:29
